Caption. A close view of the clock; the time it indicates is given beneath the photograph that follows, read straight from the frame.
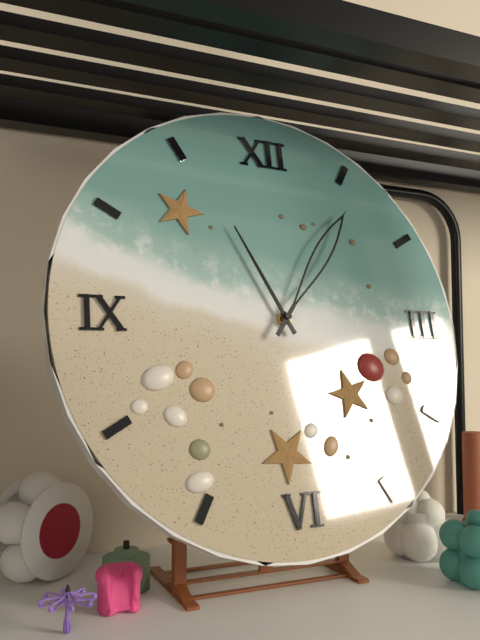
11:06
